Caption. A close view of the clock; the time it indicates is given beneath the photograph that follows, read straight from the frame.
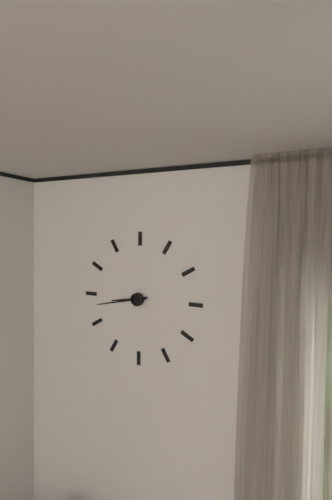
8:43
